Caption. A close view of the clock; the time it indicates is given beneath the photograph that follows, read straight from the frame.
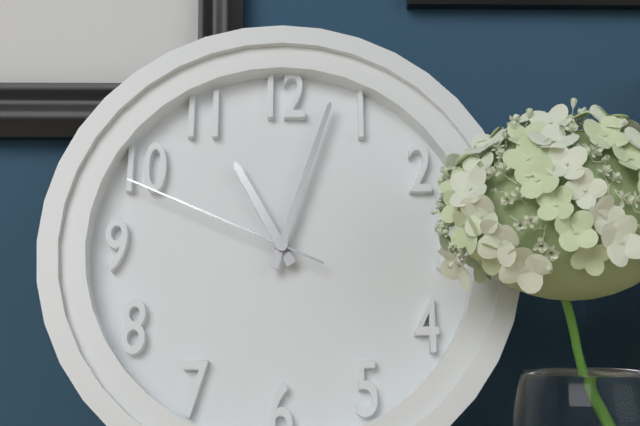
11:03:49
